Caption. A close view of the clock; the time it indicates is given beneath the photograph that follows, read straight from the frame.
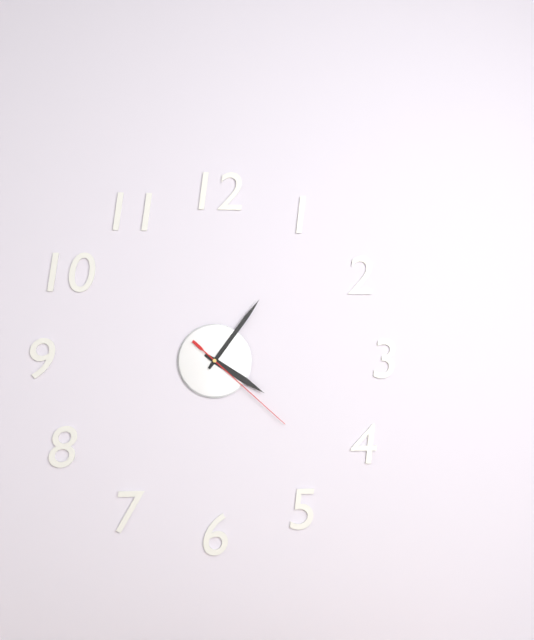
4:06:22
